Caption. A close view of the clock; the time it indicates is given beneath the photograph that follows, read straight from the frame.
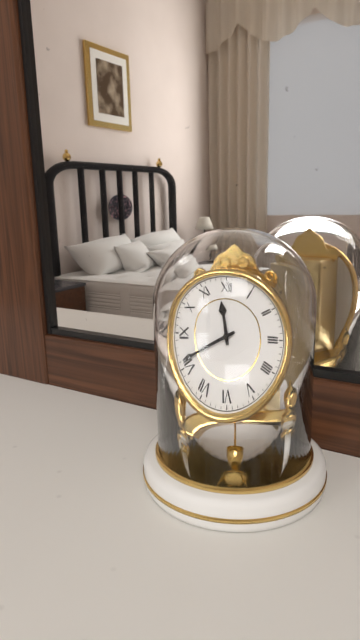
11:41
